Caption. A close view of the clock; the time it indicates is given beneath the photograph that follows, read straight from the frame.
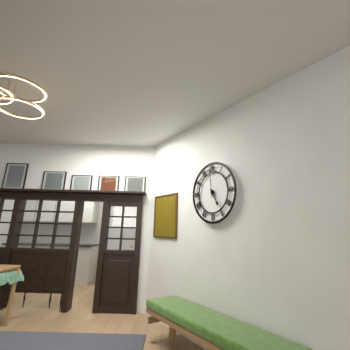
4:59
